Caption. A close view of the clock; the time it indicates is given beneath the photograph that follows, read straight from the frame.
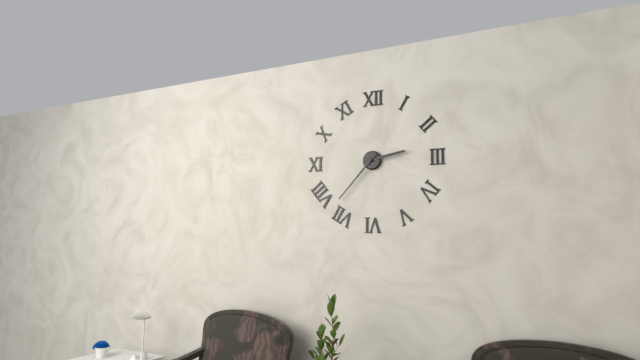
2:37
